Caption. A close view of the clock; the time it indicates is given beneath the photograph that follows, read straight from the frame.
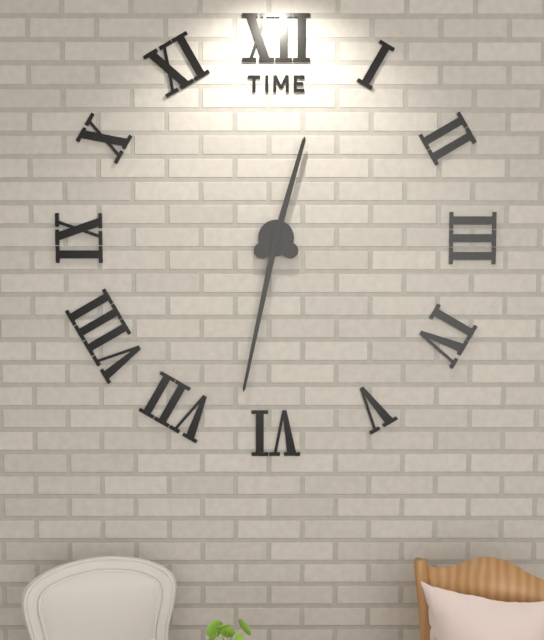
12:32
